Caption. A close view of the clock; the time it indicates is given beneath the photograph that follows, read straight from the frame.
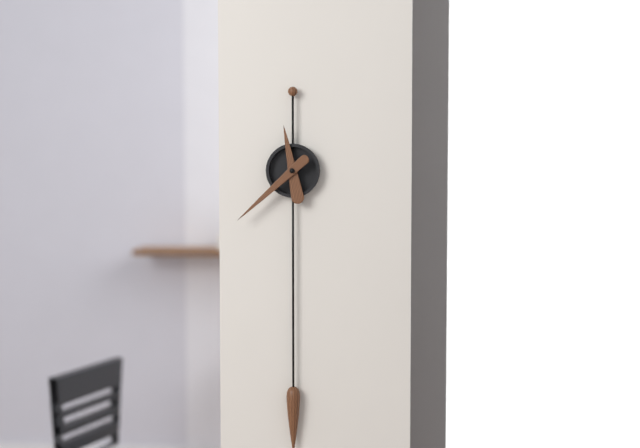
11:38
